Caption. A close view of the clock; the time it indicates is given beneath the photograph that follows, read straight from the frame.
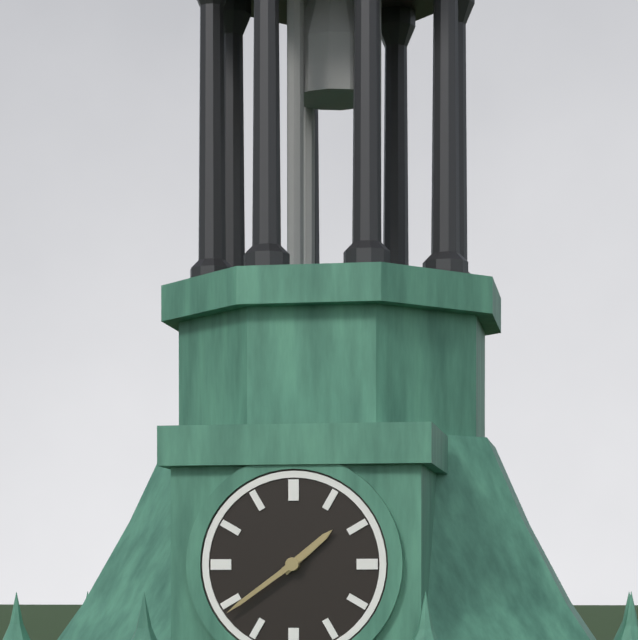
1:39
